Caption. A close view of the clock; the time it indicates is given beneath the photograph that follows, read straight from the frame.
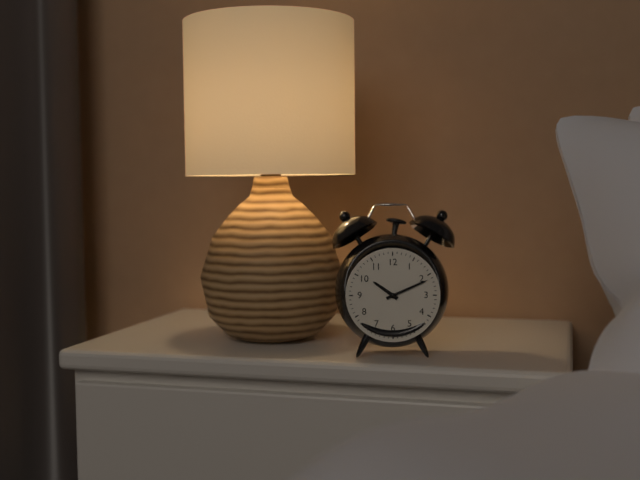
10:11
